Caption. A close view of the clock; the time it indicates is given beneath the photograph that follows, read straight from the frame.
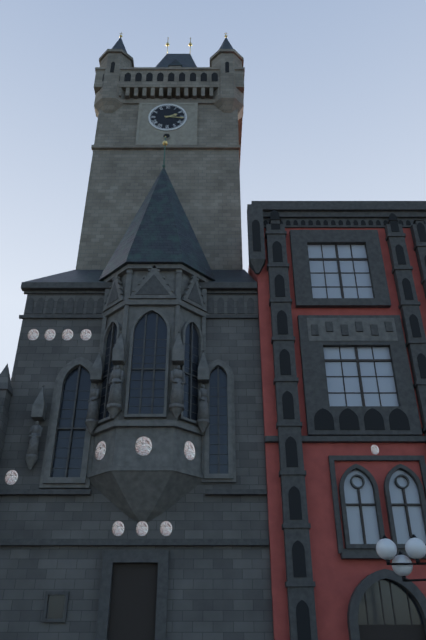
2:16
